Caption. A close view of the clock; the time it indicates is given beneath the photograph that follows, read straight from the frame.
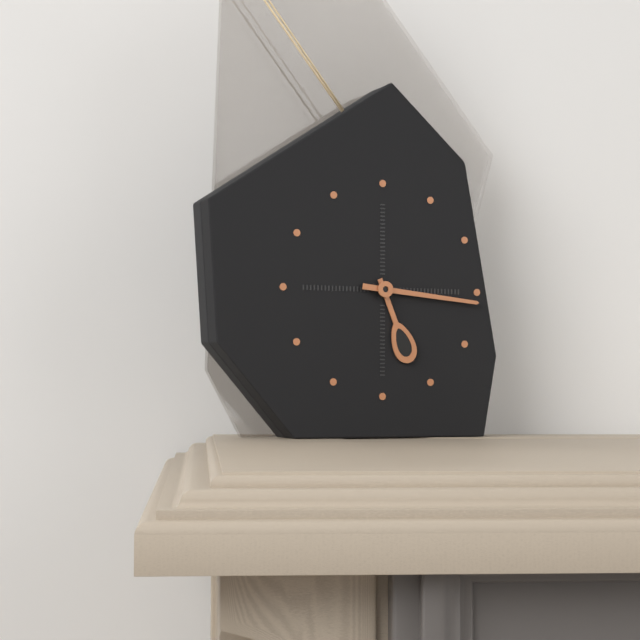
5:16
